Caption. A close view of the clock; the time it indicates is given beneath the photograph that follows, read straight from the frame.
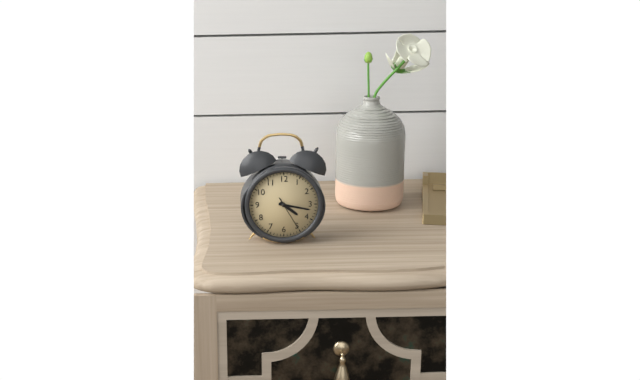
4:17
